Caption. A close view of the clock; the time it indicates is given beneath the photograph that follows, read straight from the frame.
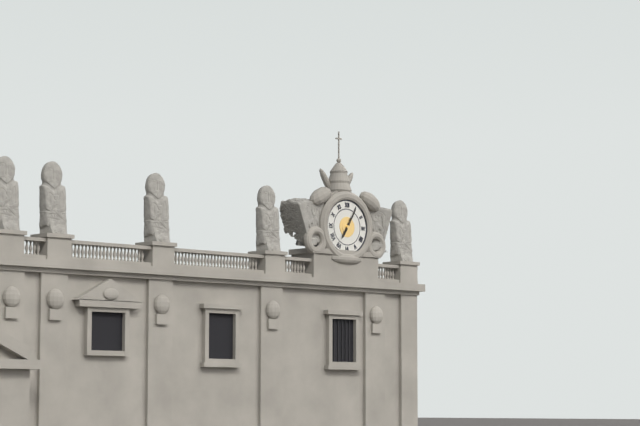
7:05
